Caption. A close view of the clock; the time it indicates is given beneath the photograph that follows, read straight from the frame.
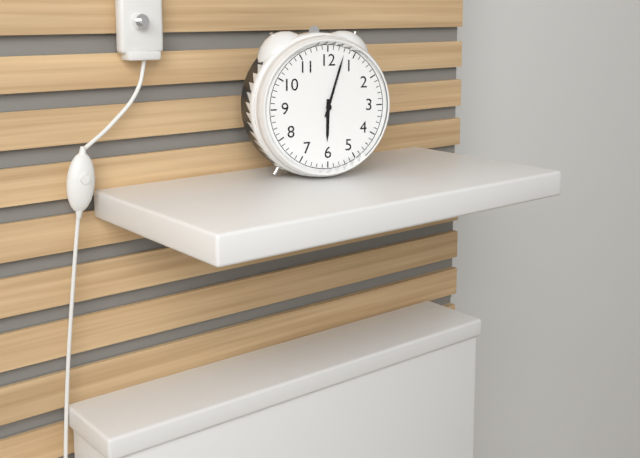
6:03
